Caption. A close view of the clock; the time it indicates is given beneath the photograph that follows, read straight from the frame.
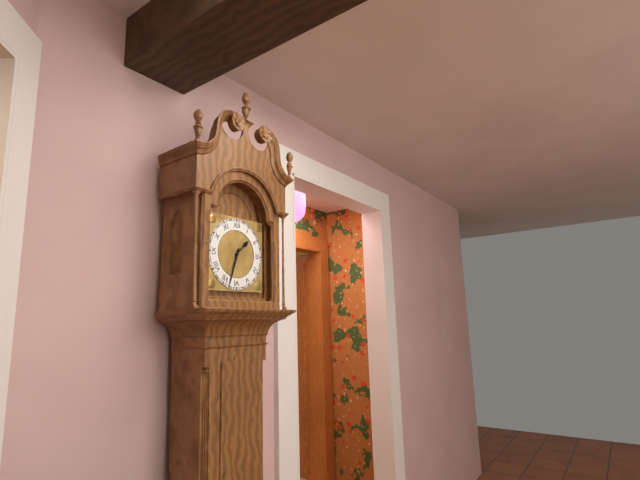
1:33
